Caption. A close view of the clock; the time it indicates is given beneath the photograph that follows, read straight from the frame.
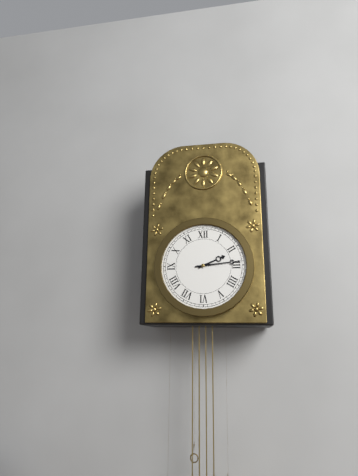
2:14
